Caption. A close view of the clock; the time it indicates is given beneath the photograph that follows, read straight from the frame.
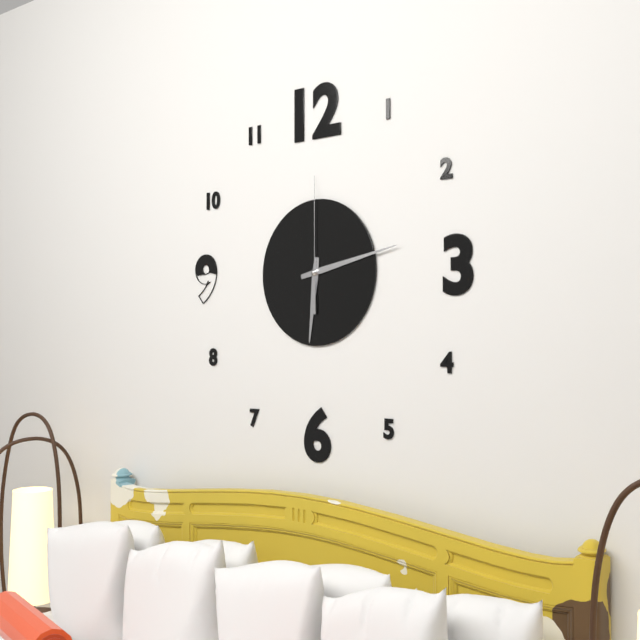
6:13:00
